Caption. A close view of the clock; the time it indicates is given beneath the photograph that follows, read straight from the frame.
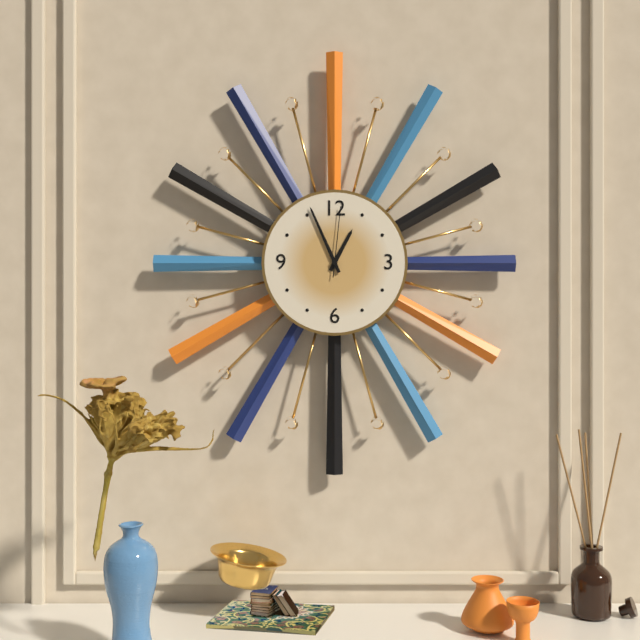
12:56:01
